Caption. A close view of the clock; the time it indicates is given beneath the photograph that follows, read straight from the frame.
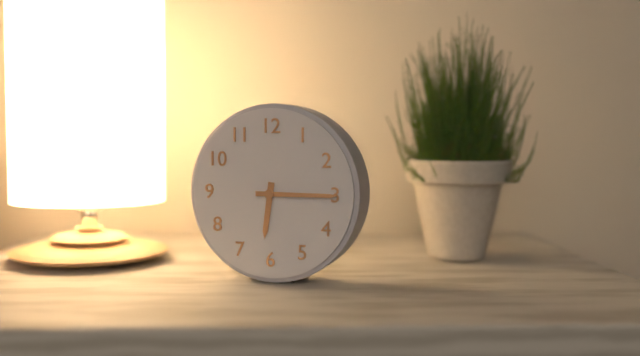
6:15
